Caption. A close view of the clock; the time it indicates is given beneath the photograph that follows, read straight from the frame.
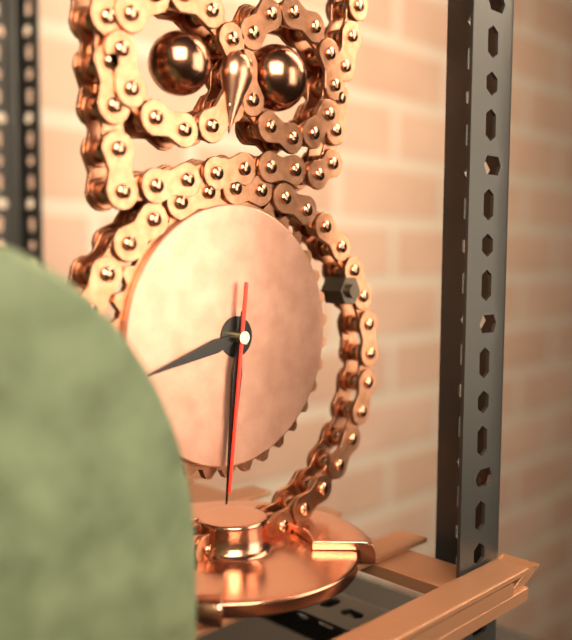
8:31:31
